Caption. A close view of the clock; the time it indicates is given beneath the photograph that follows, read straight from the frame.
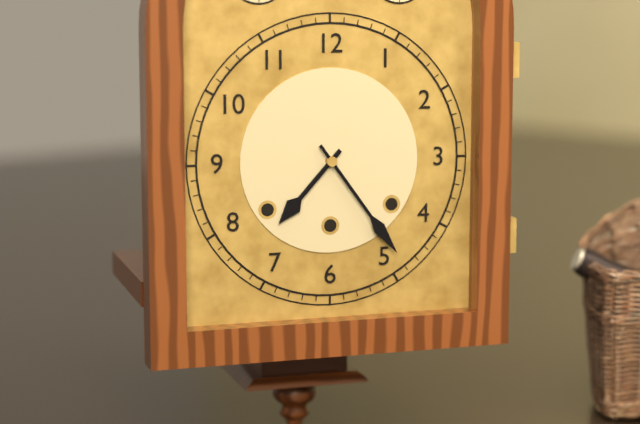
7:24
